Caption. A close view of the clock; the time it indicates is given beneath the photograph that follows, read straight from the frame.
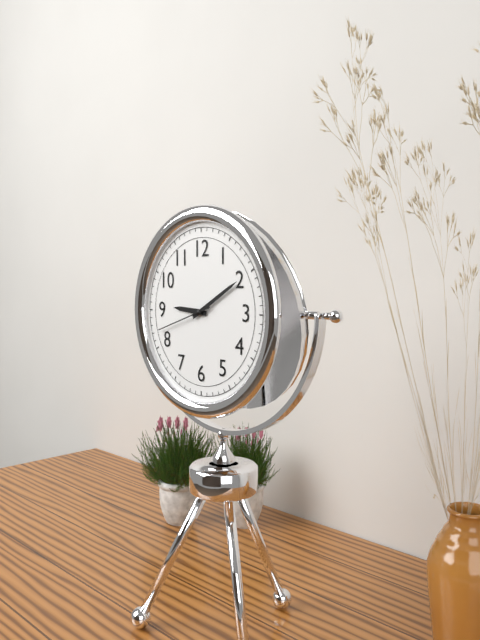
9:10:42
